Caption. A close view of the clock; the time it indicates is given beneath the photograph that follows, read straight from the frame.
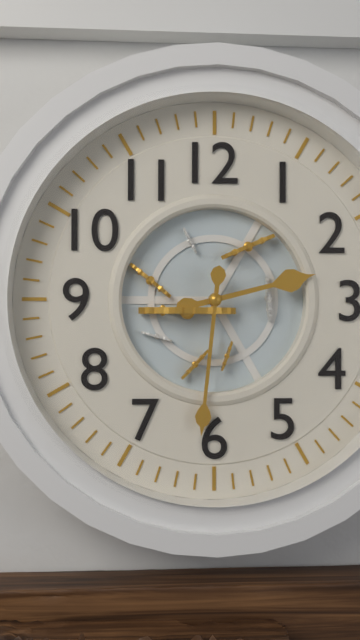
2:31
